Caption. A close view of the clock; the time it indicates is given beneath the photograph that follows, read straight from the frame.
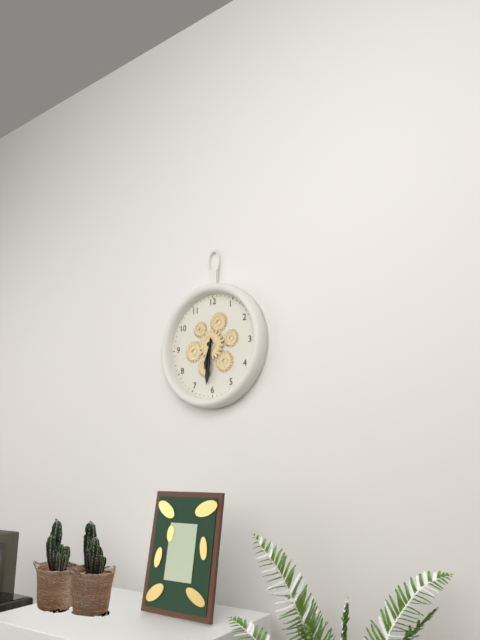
6:31
